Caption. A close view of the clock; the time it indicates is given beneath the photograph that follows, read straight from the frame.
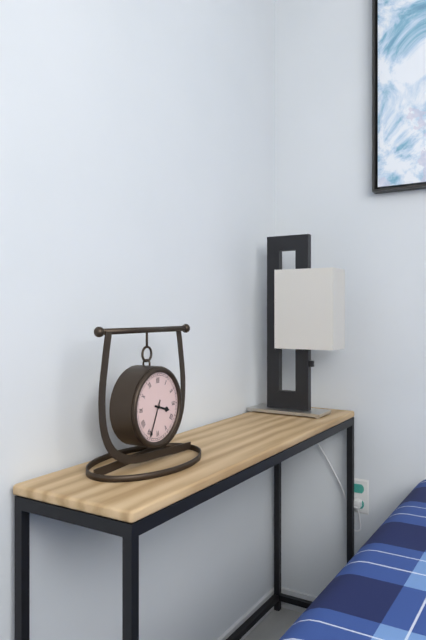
3:34
